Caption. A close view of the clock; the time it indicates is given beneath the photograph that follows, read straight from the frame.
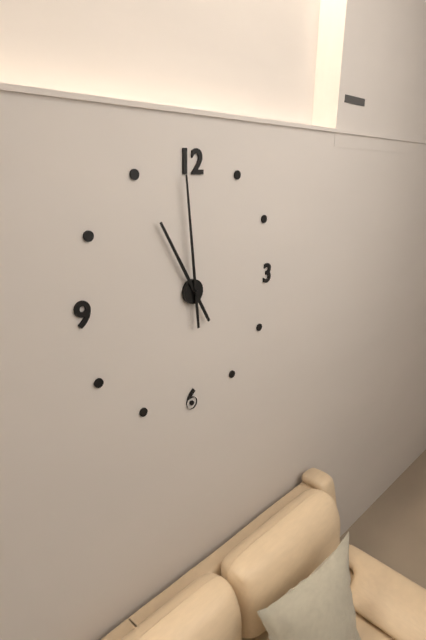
10:59
